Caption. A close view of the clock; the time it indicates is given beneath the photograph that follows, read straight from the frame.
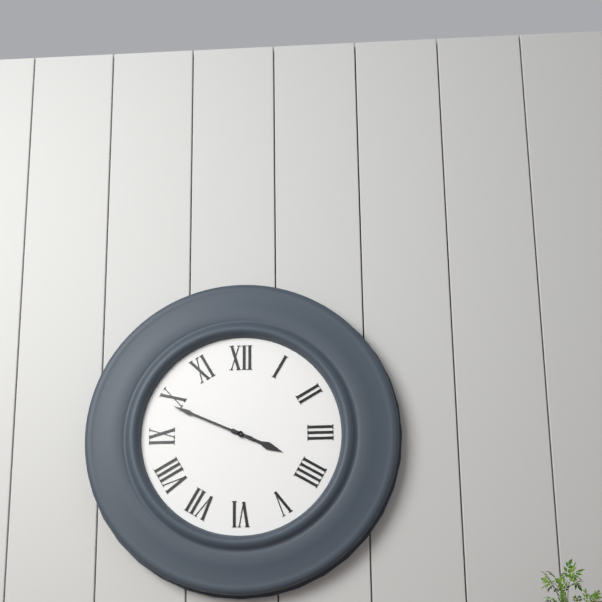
3:49
